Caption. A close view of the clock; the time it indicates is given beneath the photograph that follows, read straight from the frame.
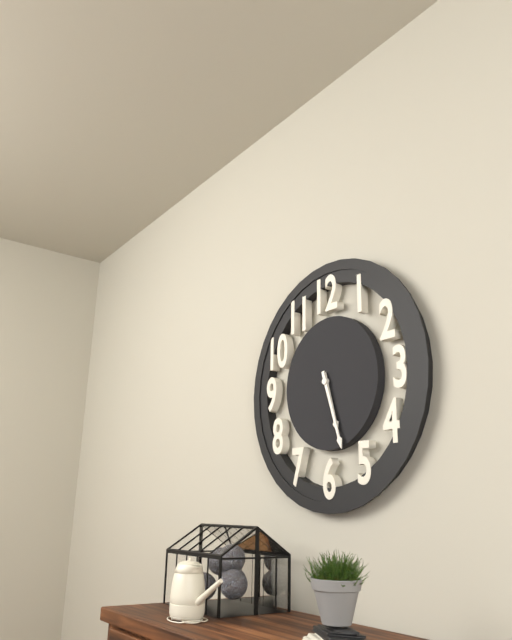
5:27
